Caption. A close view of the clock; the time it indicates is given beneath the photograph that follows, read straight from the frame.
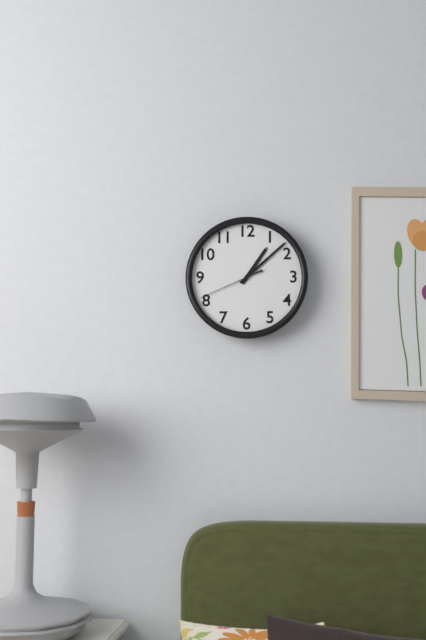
1:08:41
